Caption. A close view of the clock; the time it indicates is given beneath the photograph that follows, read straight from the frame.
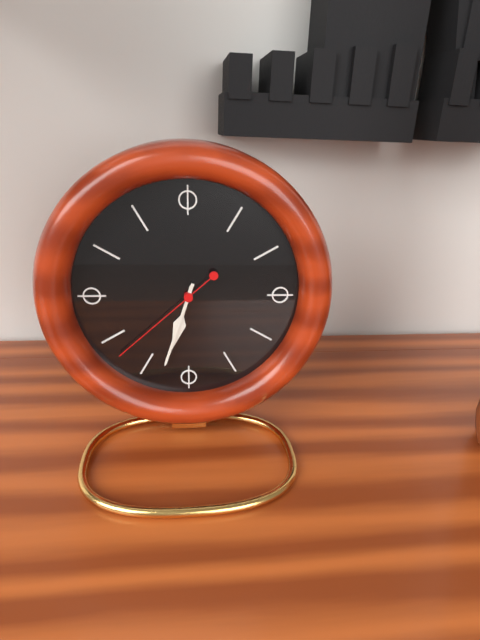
6:33:38
